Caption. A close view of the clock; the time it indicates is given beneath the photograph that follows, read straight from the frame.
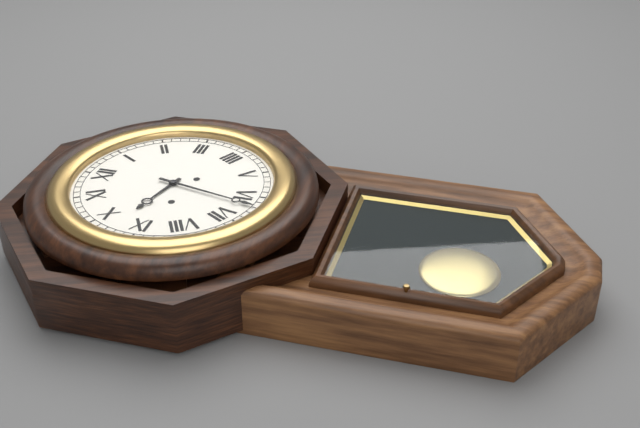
9:32
